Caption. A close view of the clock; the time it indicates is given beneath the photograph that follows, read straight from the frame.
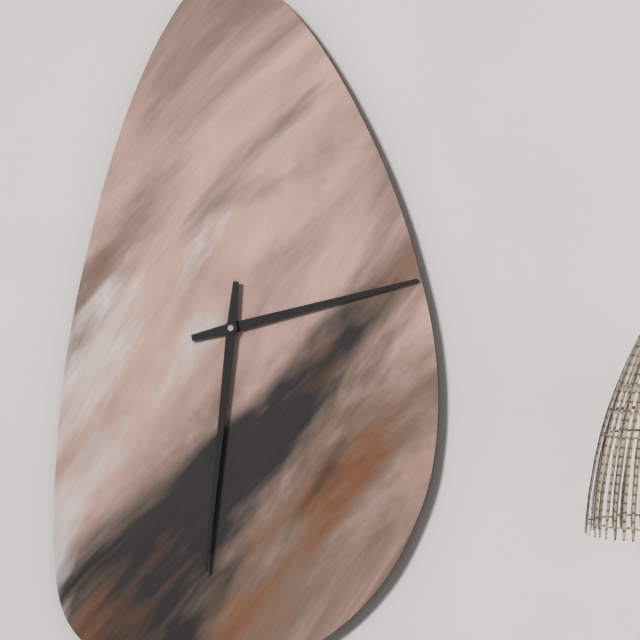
2:31
